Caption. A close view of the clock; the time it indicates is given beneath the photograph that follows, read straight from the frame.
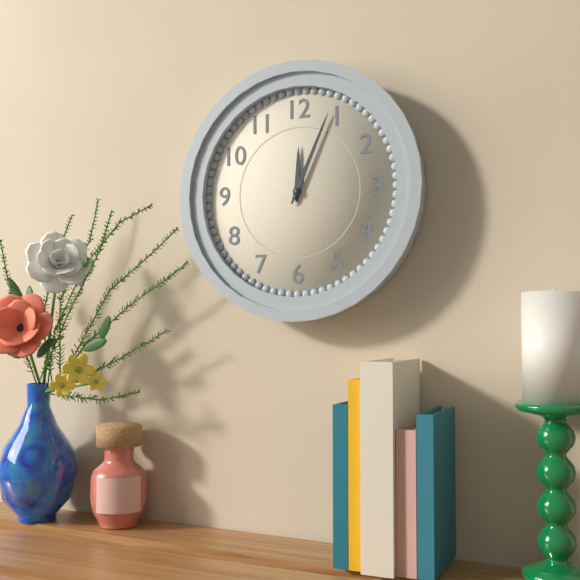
12:04
